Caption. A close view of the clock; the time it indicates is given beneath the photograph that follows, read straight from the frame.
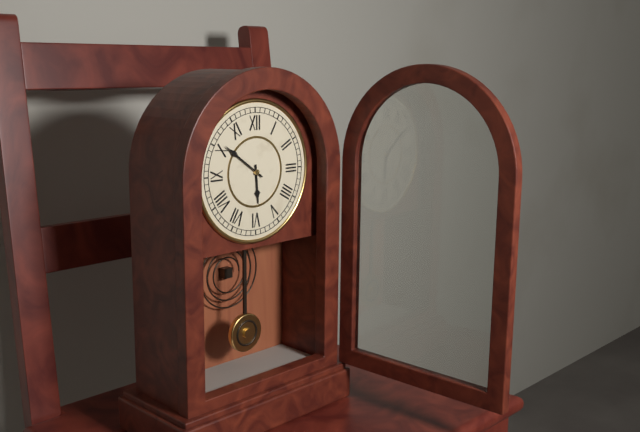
5:51
